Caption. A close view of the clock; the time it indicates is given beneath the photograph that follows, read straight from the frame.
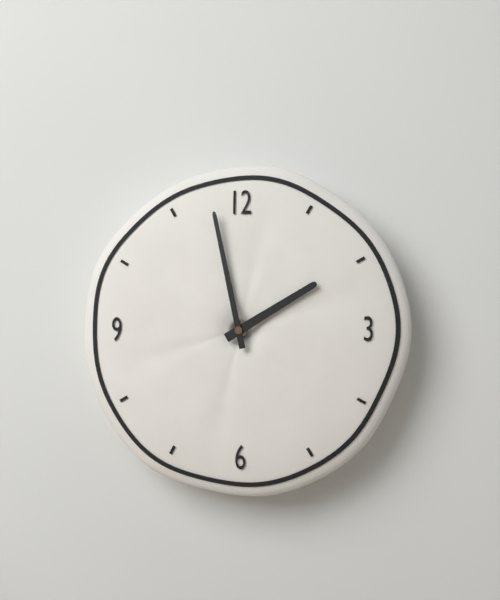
1:58
